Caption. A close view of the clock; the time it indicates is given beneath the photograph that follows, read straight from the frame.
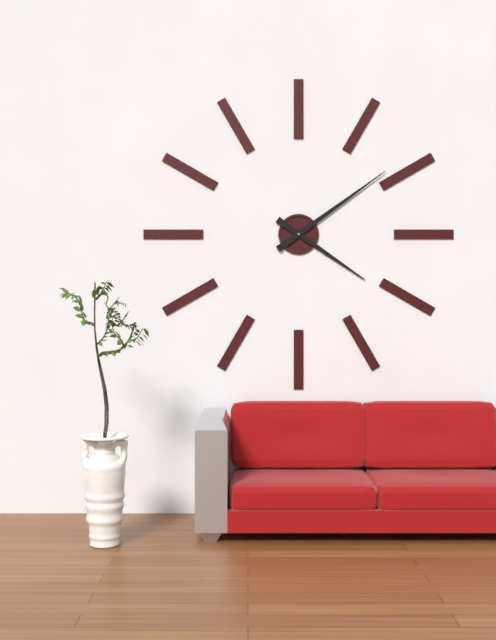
4:09
